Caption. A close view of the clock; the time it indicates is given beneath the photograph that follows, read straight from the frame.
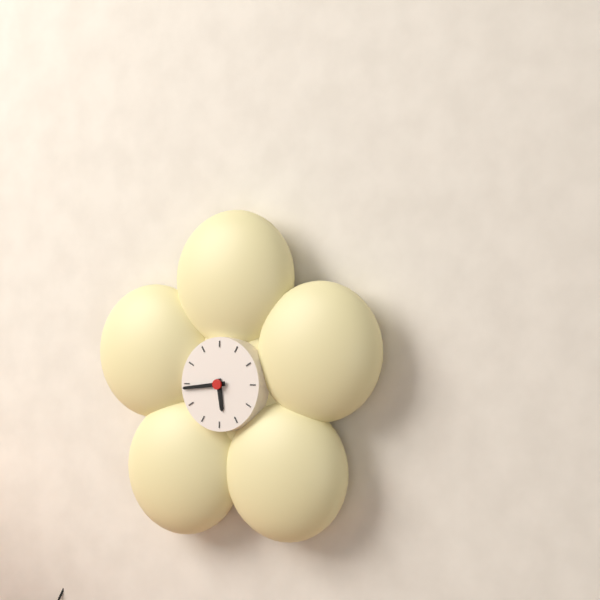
5:44
